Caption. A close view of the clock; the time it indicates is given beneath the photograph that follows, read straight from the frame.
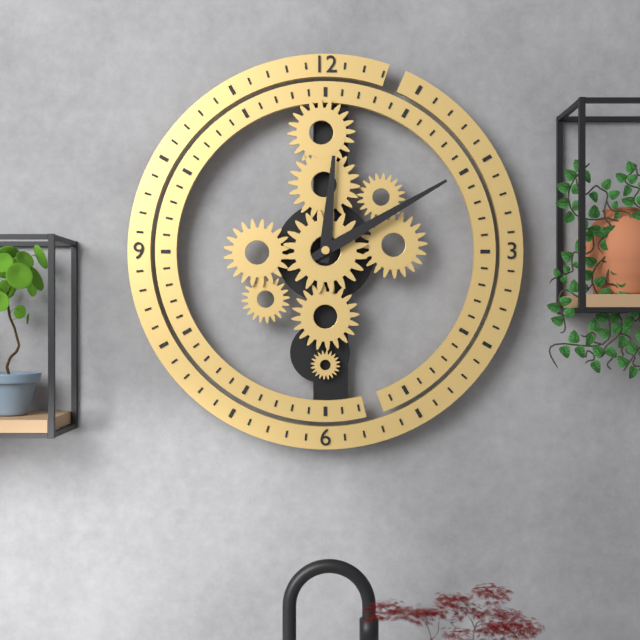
12:10
